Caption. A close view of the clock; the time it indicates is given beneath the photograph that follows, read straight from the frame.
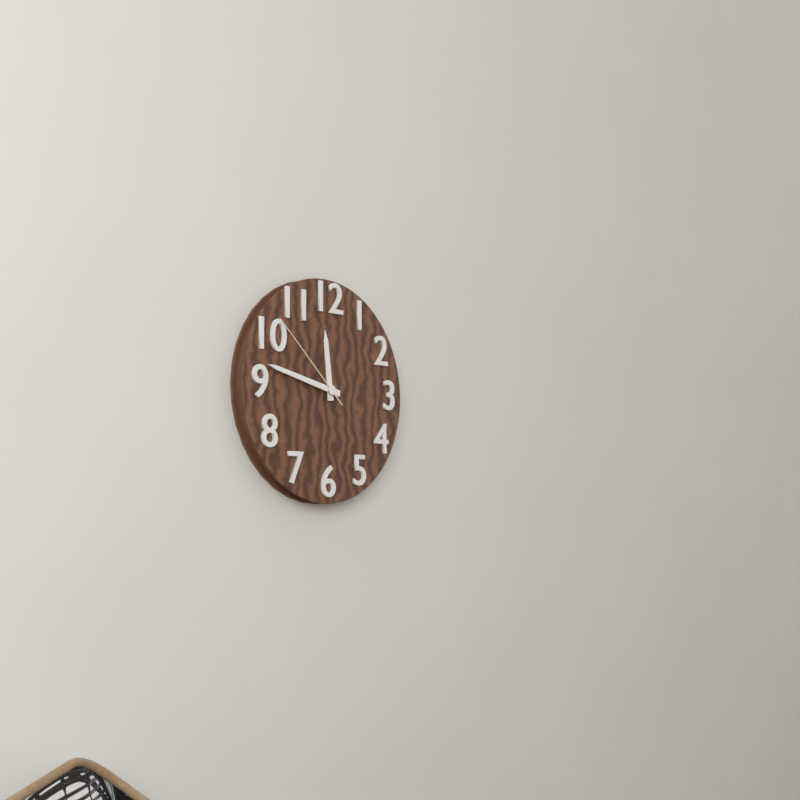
11:47:52
